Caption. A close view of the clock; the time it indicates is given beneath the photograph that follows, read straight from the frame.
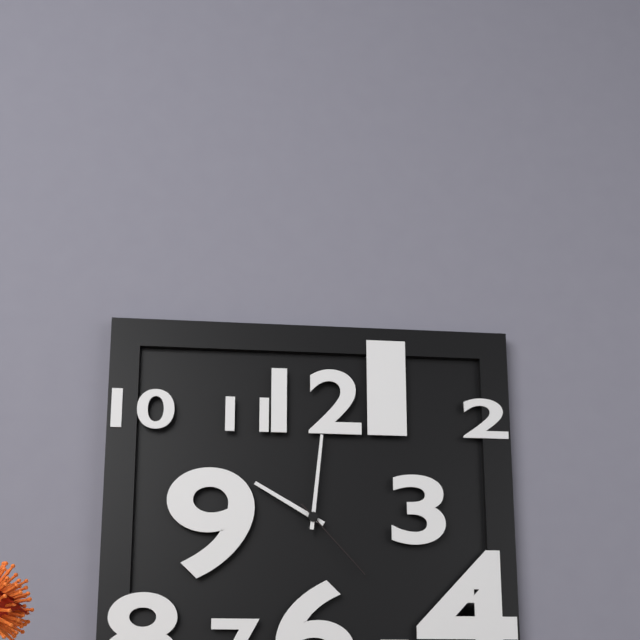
10:01:23
